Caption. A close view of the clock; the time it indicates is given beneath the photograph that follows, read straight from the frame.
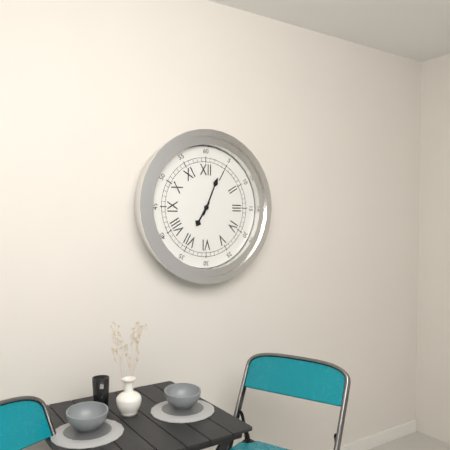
7:04
